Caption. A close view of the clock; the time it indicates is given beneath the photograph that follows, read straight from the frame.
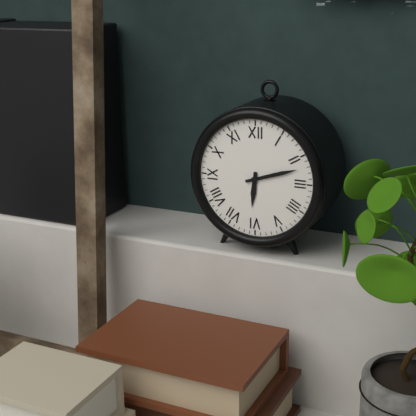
6:12
